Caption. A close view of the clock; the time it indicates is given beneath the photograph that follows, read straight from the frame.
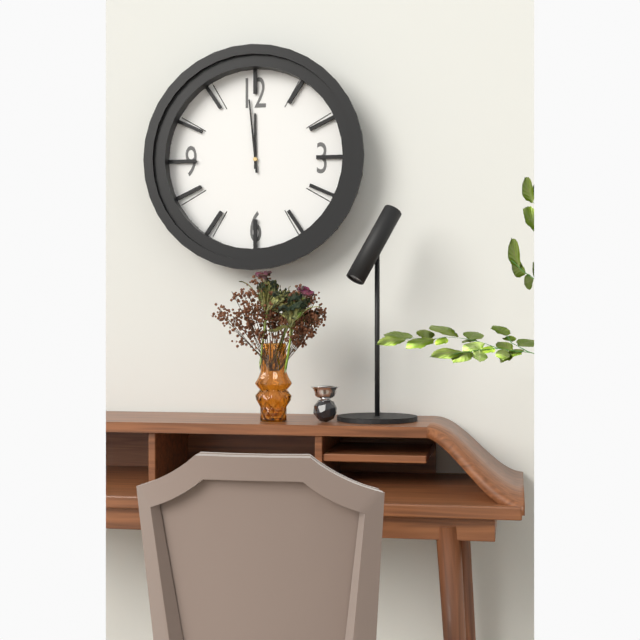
11:59
